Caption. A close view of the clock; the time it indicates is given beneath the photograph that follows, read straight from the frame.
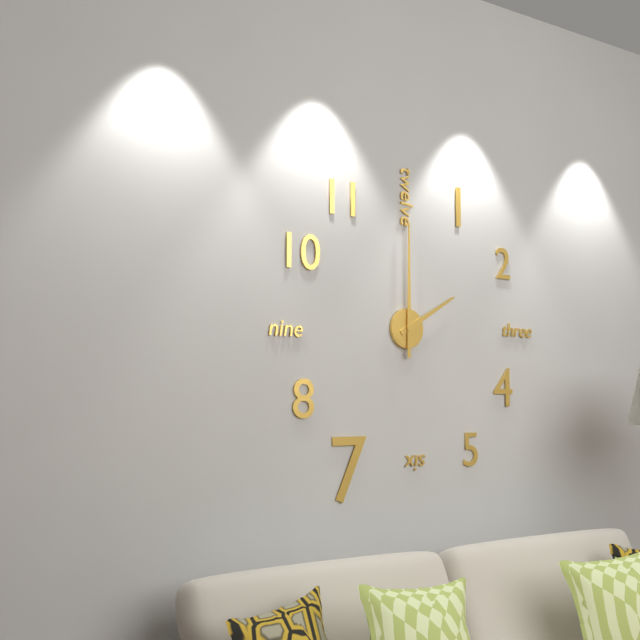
2:00
